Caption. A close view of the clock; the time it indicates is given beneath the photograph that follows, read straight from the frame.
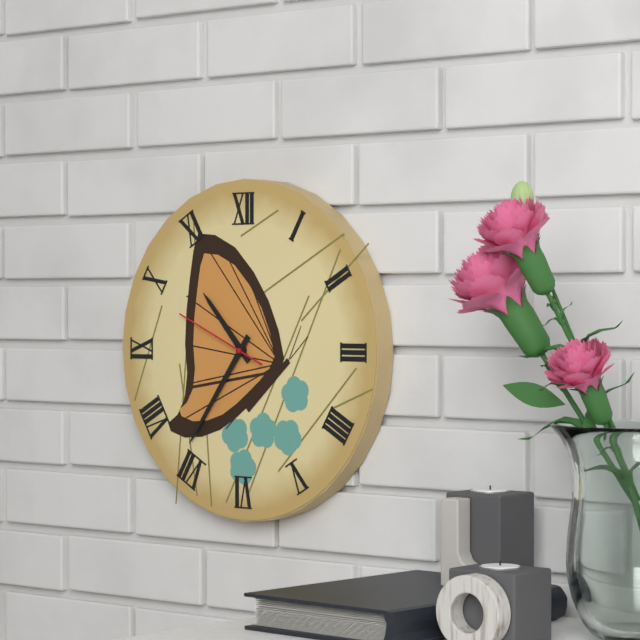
10:36:49
